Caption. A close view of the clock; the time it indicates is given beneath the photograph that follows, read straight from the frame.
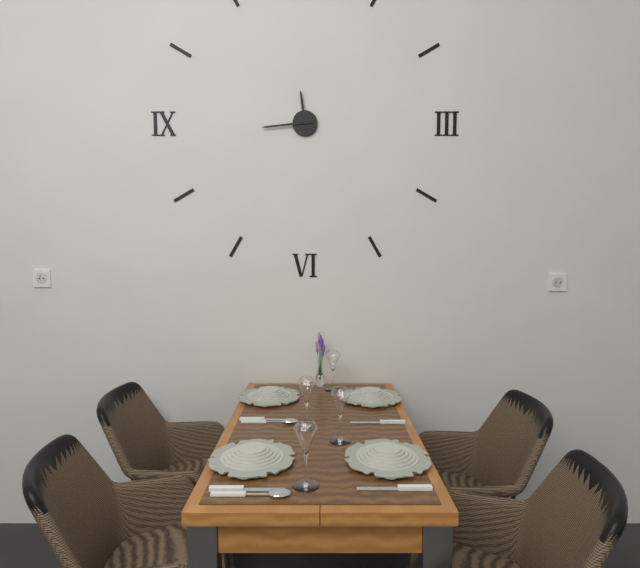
11:44
